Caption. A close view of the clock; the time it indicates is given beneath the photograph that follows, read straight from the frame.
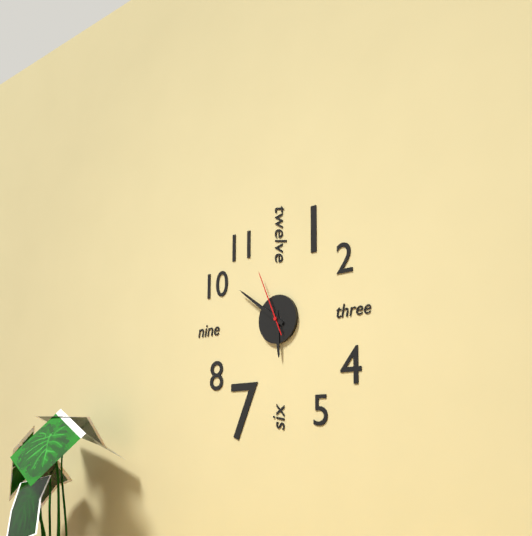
5:51:56
